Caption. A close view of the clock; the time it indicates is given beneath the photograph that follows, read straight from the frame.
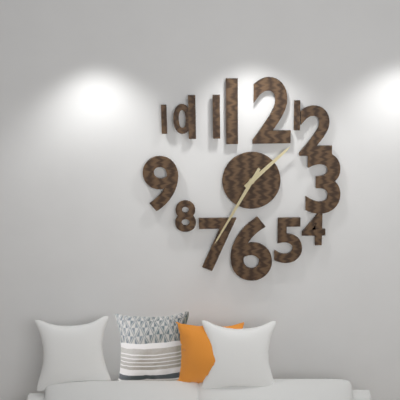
1:35
